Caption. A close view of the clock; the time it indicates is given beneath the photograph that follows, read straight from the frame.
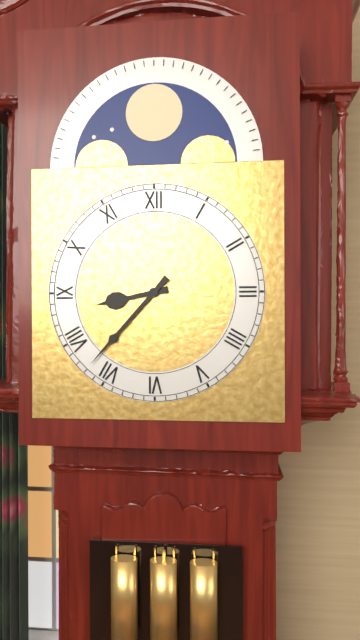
8:37
